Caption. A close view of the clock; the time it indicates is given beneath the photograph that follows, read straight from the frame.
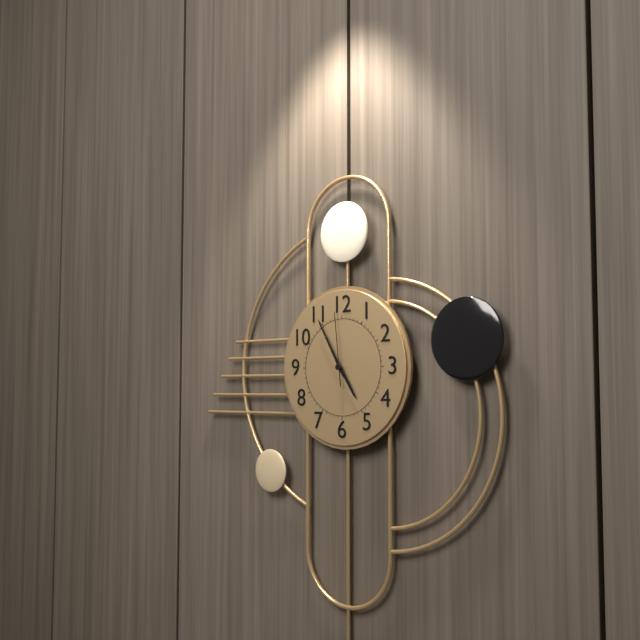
4:55:59
